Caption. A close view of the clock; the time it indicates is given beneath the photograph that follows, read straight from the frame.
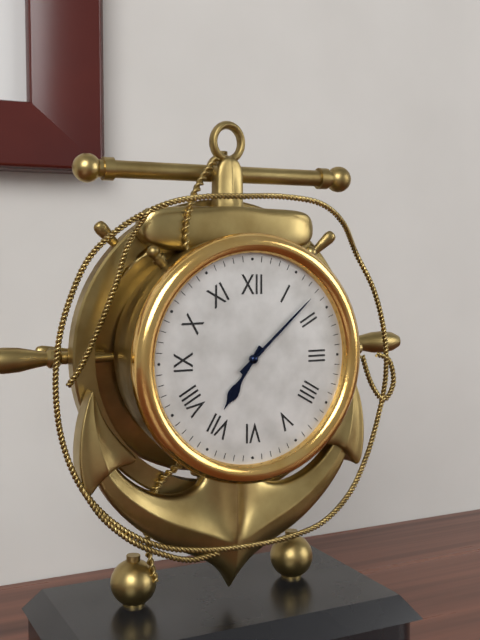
7:08
